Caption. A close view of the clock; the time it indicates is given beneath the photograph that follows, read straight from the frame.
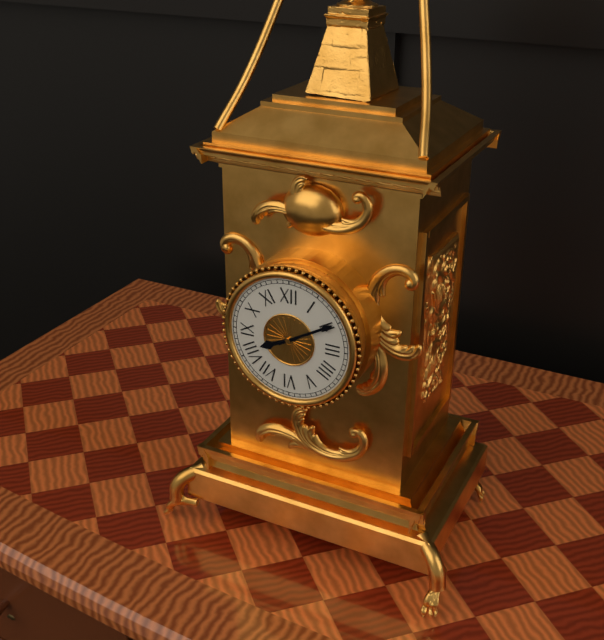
8:10
